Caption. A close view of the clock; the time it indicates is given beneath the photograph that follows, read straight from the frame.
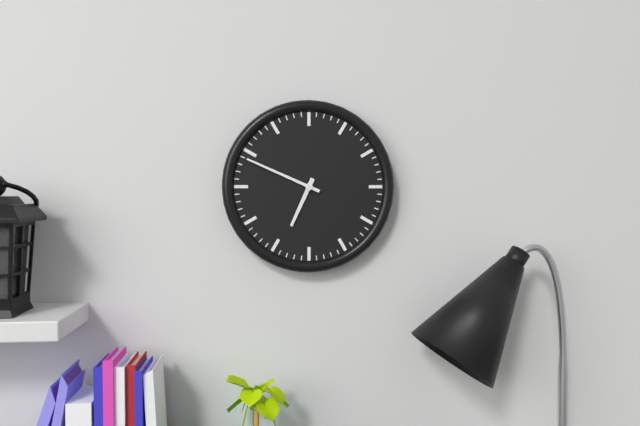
6:49
